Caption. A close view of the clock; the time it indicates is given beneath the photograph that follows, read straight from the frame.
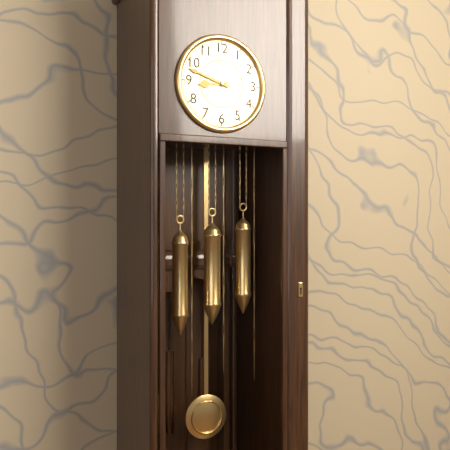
8:48
